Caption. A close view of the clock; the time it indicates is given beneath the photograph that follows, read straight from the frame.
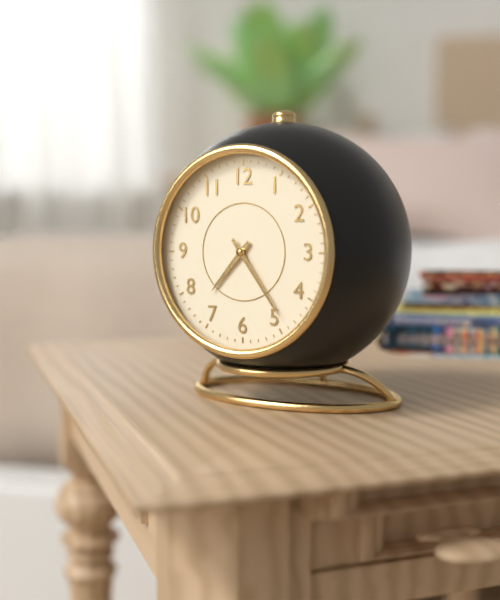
7:24
